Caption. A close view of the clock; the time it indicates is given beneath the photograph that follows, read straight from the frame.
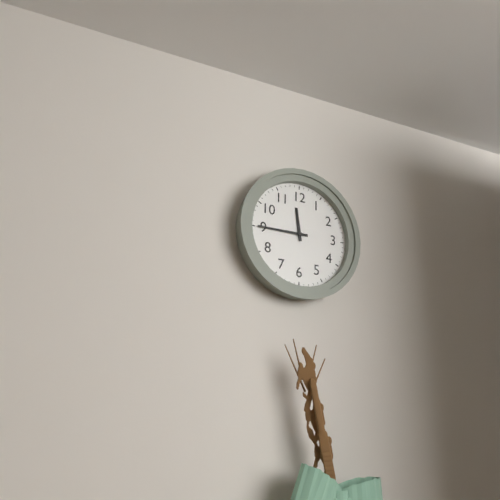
11:45
